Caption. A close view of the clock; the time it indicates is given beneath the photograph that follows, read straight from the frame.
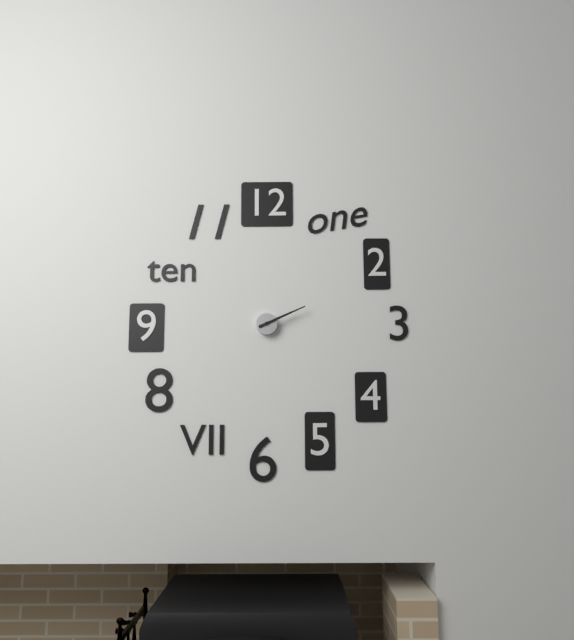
2:11
